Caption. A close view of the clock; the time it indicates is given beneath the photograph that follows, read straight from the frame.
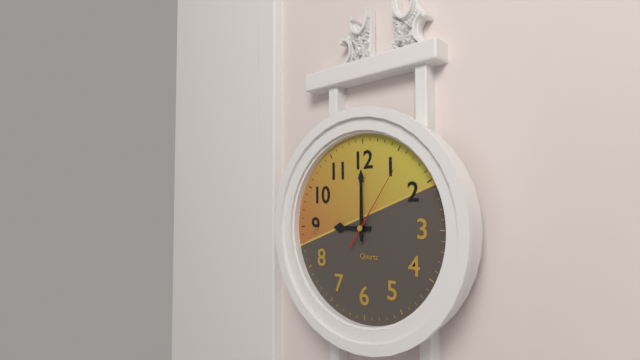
9:00:06
